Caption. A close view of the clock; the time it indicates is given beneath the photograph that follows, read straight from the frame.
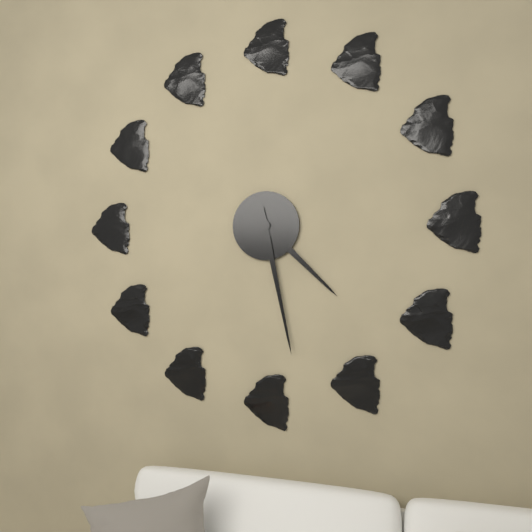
4:28
